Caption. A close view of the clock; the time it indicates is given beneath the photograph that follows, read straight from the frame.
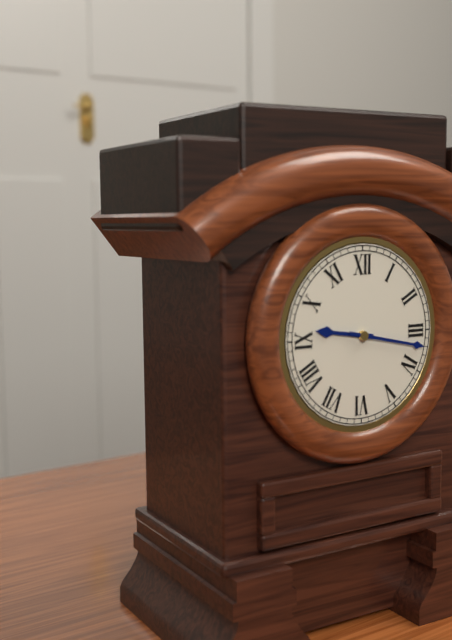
9:17
